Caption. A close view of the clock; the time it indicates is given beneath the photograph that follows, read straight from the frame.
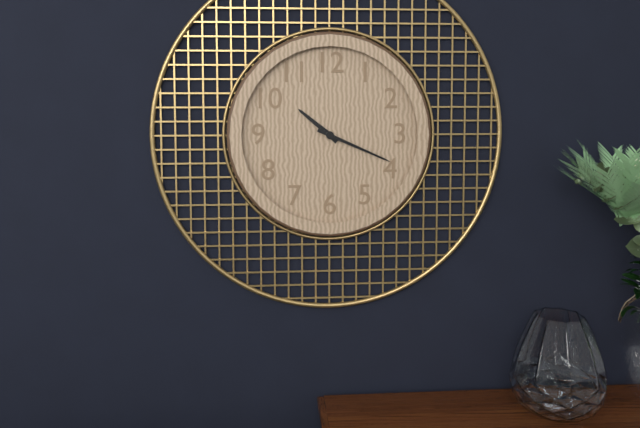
10:19
